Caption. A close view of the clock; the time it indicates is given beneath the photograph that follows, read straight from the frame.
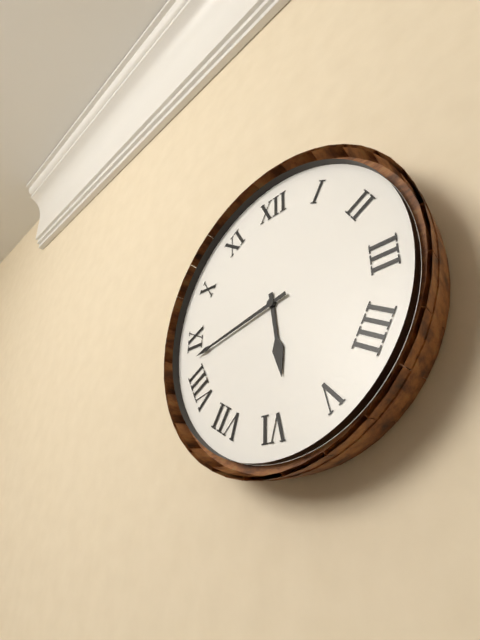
5:43
